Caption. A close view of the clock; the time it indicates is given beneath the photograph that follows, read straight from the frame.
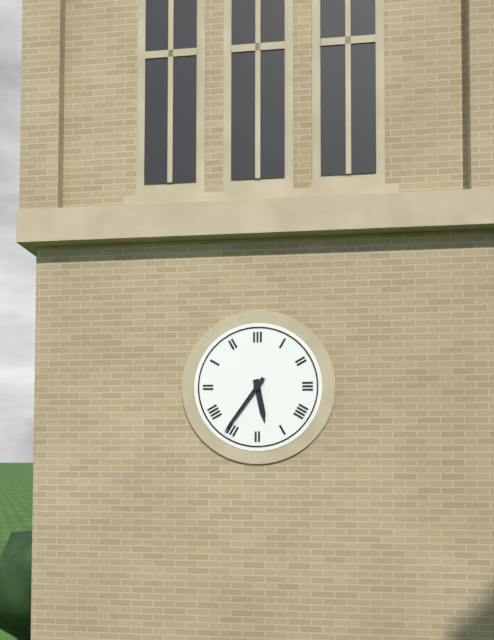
5:36
